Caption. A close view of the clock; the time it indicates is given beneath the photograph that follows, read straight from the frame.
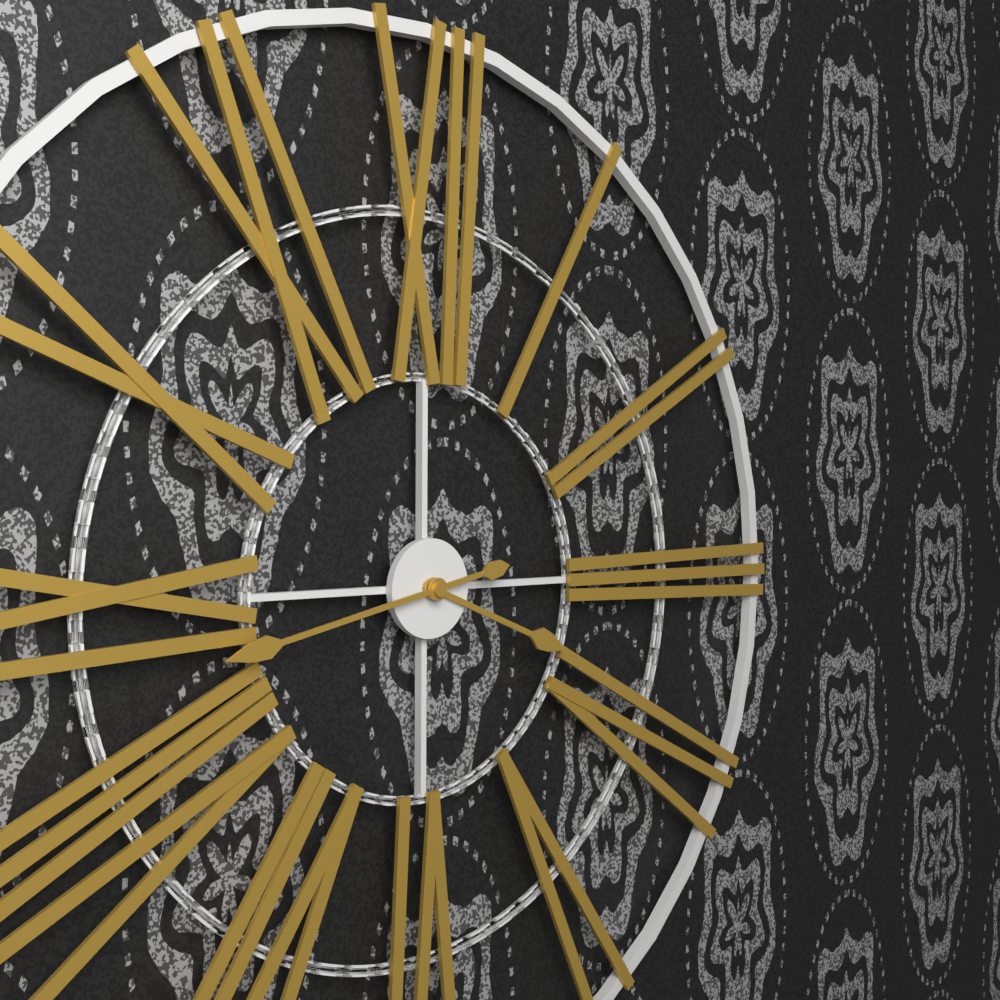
3:43
